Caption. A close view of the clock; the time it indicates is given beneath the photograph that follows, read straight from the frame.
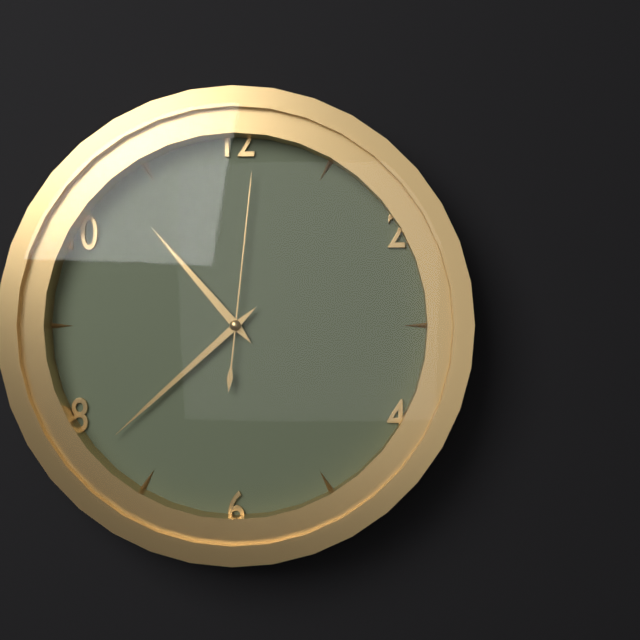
10:38:01
